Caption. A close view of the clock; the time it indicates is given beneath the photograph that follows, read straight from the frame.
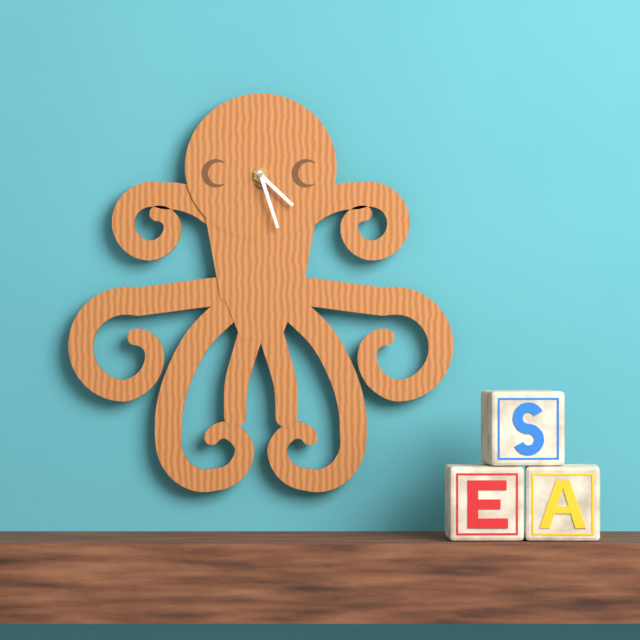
4:27
